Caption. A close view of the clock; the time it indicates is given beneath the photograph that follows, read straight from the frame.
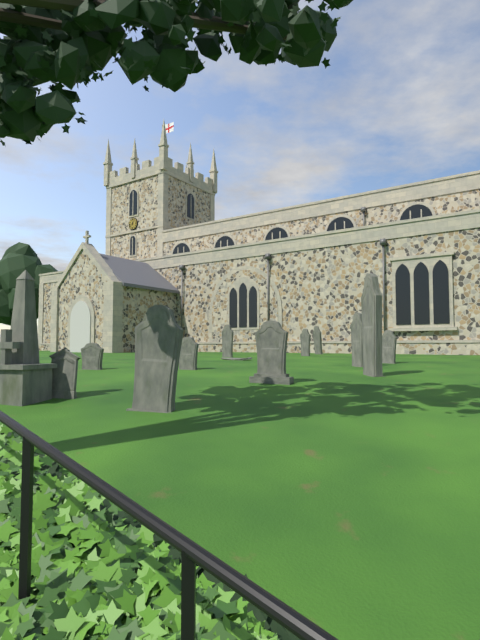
12:41
